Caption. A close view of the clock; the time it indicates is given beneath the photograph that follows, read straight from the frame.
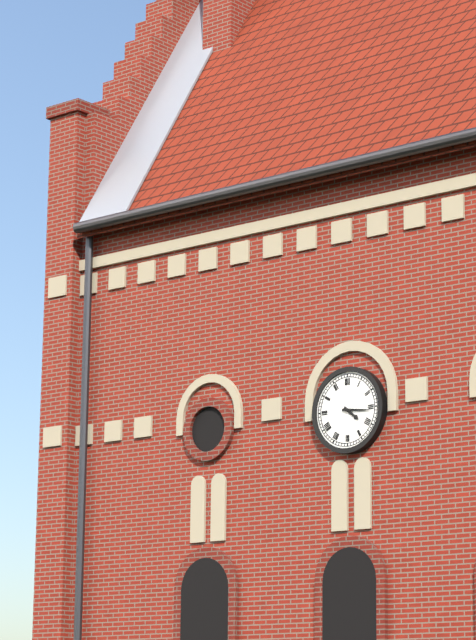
4:16
